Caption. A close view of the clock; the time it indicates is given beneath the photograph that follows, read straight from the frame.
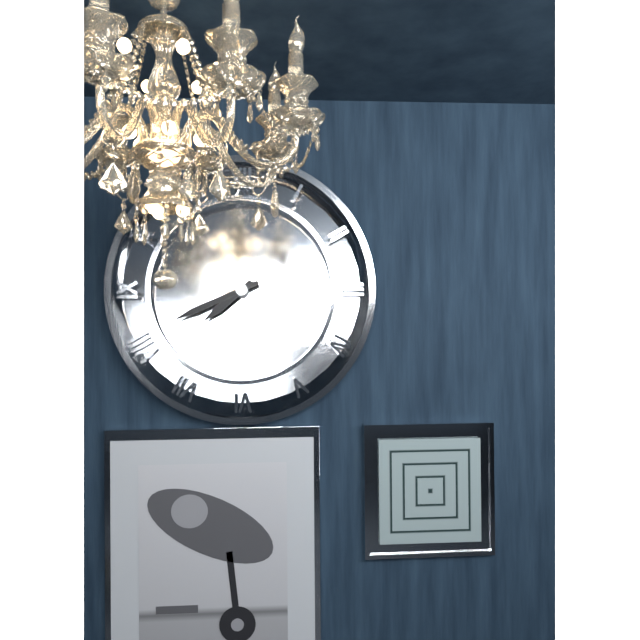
7:41
